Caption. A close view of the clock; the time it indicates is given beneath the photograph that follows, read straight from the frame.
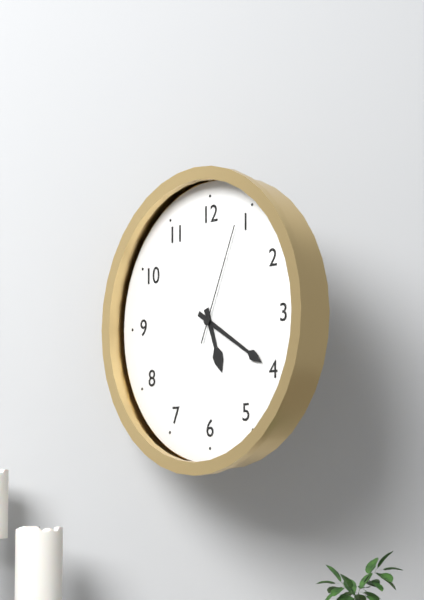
5:20:04
